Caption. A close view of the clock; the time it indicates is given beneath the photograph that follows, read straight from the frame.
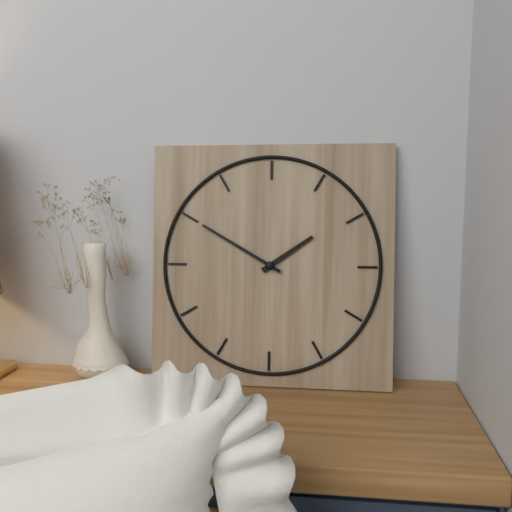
1:50
